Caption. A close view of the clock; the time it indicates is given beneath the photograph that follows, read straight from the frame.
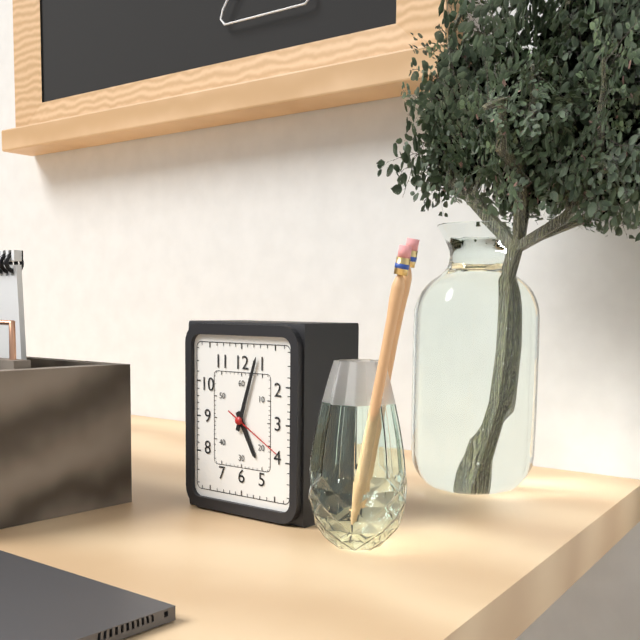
5:03:20
